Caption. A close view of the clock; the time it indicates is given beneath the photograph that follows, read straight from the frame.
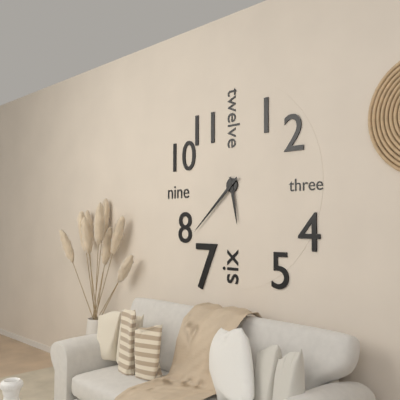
5:38
